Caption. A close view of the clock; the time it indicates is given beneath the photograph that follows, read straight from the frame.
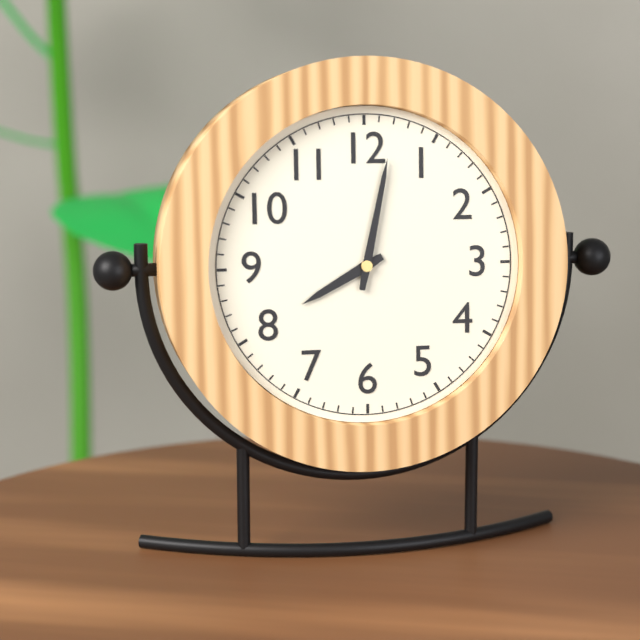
8:02
